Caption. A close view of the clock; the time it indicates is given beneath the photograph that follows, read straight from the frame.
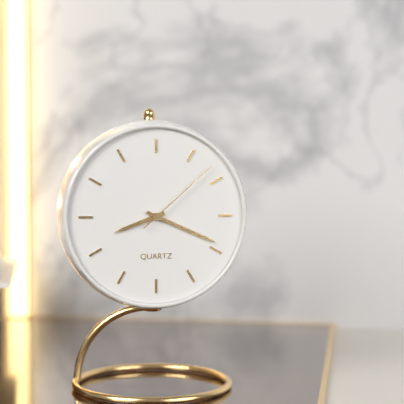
8:19:08
